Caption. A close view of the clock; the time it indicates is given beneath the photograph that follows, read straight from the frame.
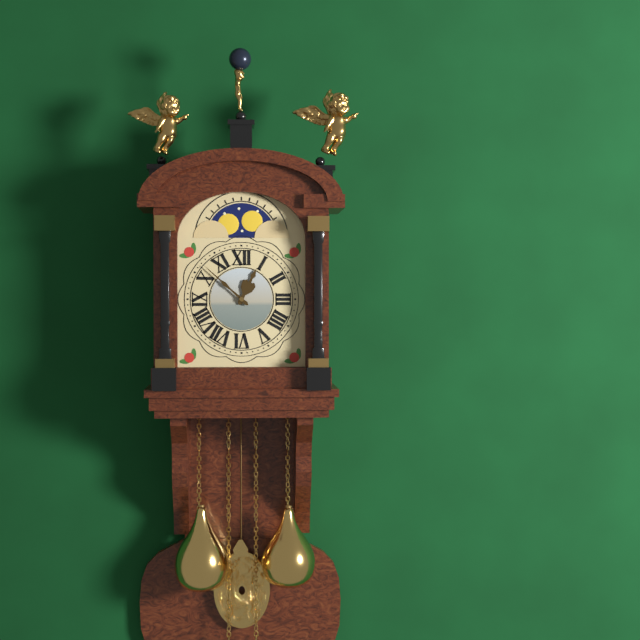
12:52
